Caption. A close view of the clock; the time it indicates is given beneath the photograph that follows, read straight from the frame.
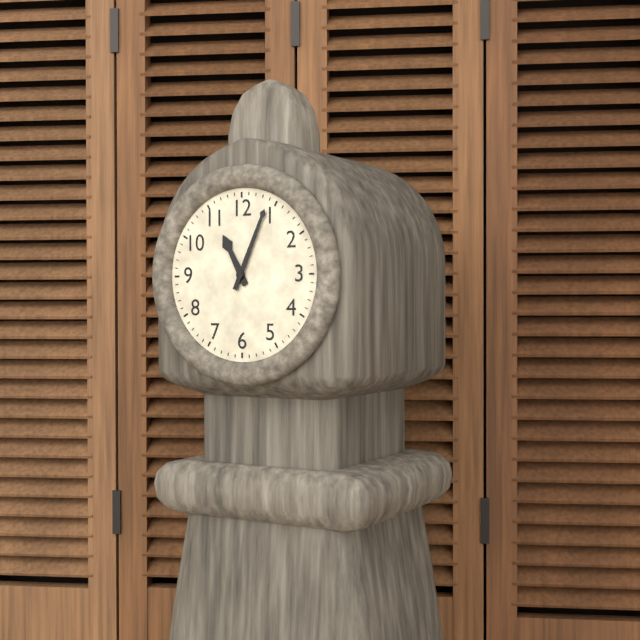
11:04
